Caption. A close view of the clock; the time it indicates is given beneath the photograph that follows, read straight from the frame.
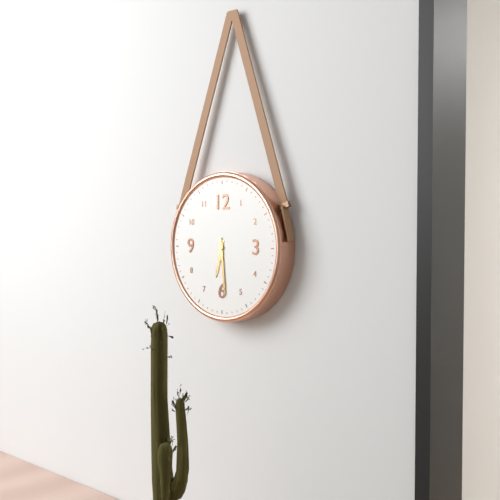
6:29
